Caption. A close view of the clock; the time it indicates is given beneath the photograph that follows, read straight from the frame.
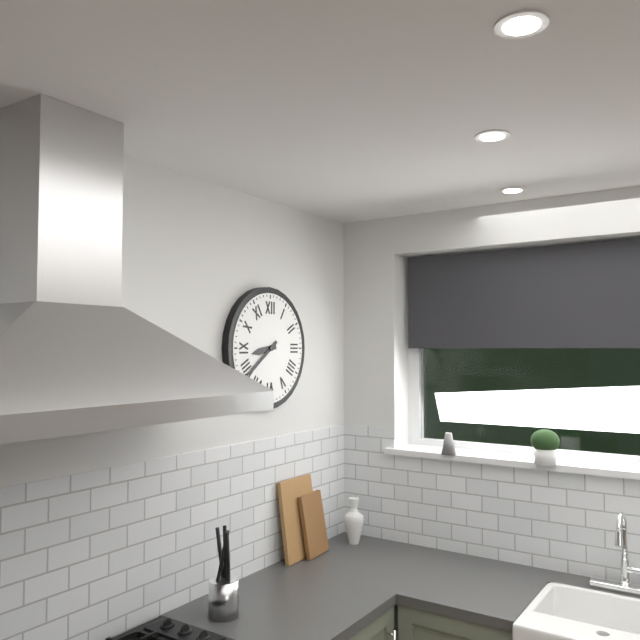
8:39
